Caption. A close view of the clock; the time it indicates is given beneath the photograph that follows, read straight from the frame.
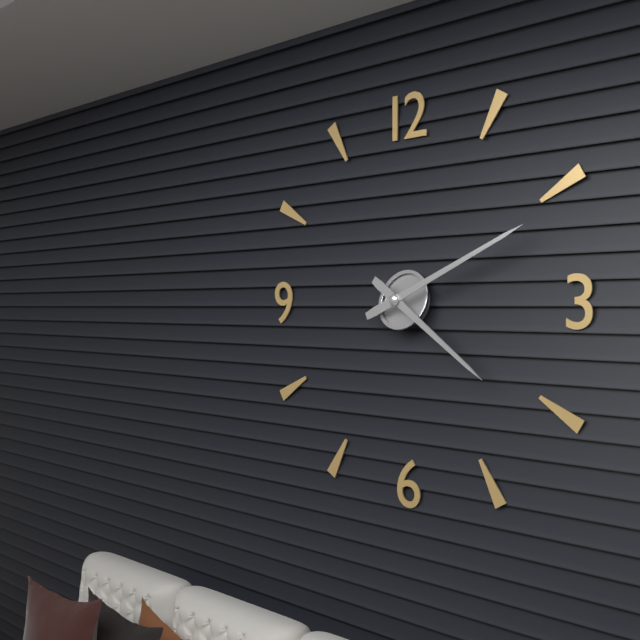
4:11
